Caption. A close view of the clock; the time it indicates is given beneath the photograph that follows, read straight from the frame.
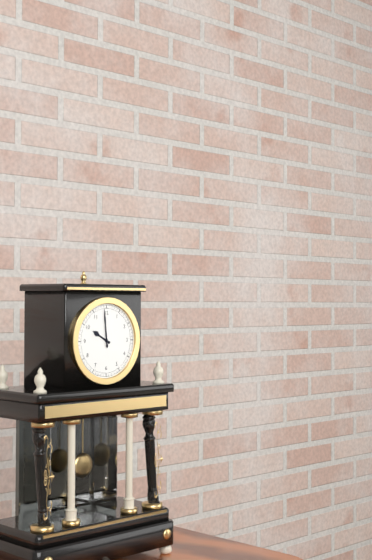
9:59
